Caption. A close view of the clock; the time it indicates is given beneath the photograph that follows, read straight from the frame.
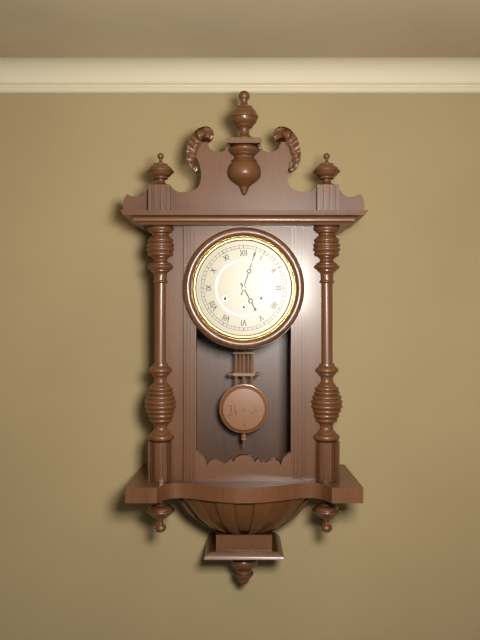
5:03
